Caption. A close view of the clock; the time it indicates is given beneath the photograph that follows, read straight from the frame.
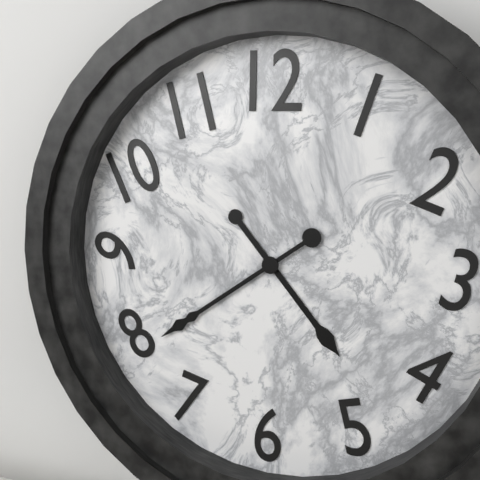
4:39
